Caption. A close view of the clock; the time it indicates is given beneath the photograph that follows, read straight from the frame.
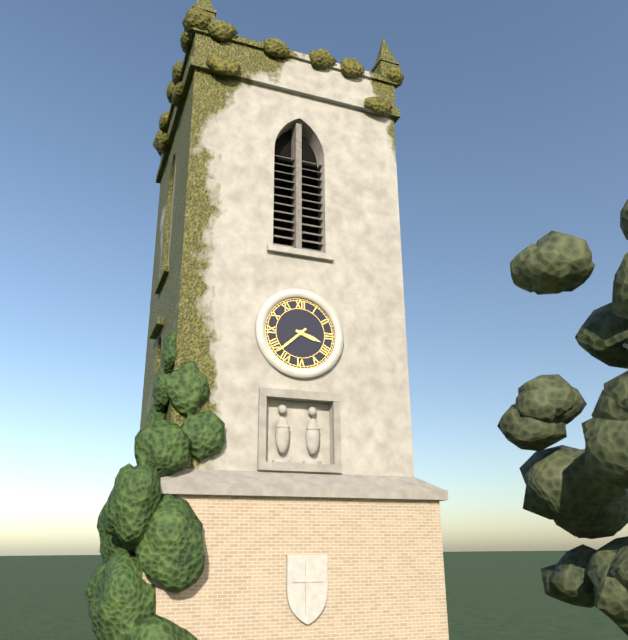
3:38
